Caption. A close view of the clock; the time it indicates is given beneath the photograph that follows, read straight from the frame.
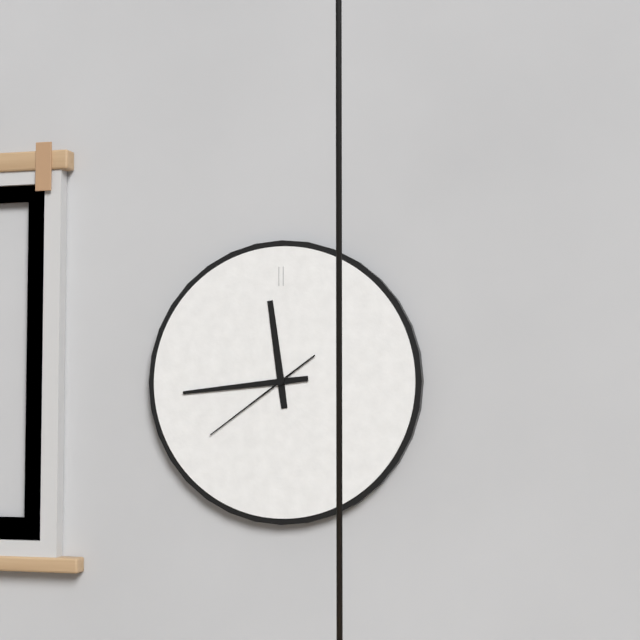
11:44:39
